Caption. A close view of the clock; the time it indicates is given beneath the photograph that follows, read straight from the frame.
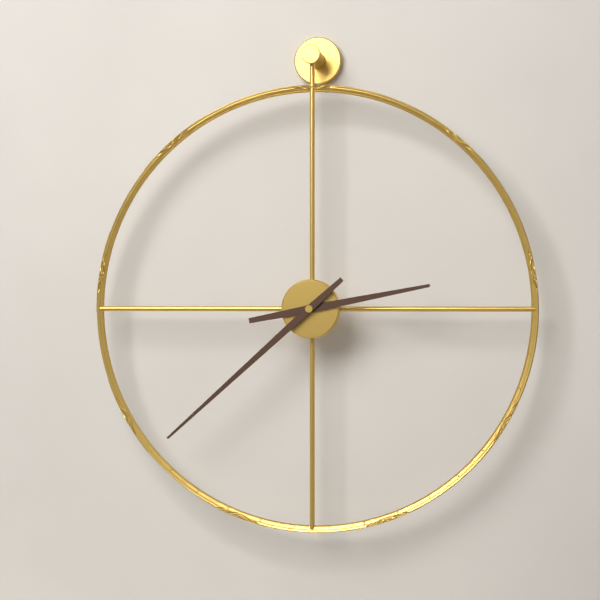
2:38
